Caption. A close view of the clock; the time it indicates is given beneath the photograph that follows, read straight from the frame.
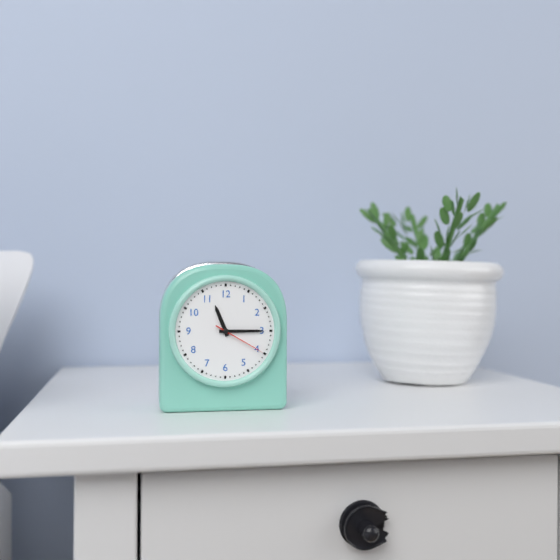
11:15:20
